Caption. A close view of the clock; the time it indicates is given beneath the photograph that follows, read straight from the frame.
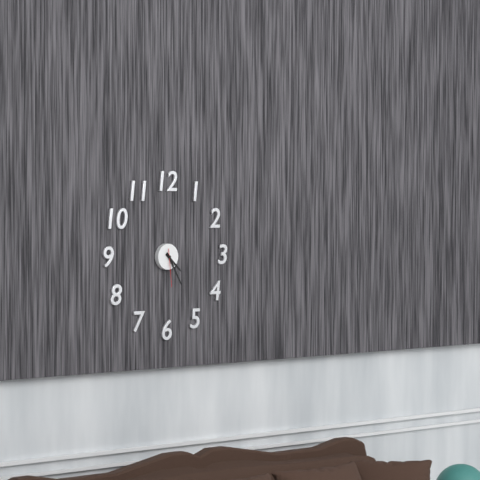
4:25
